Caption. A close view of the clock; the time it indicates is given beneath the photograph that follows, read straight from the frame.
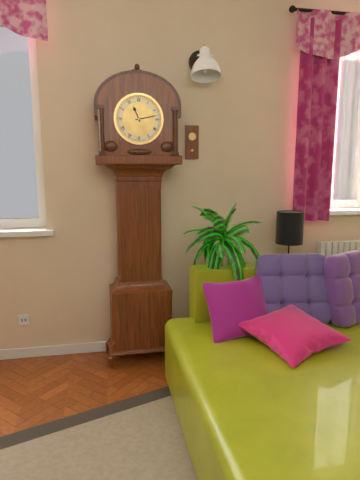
11:13
